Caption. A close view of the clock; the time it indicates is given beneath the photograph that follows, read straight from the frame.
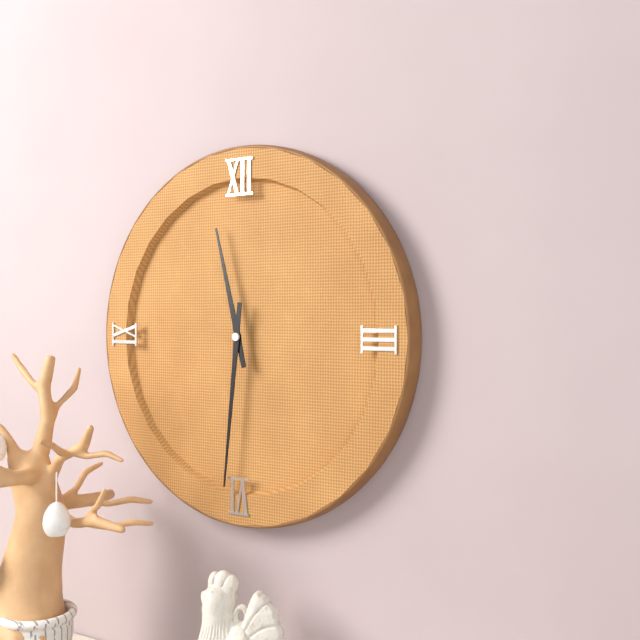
11:31
